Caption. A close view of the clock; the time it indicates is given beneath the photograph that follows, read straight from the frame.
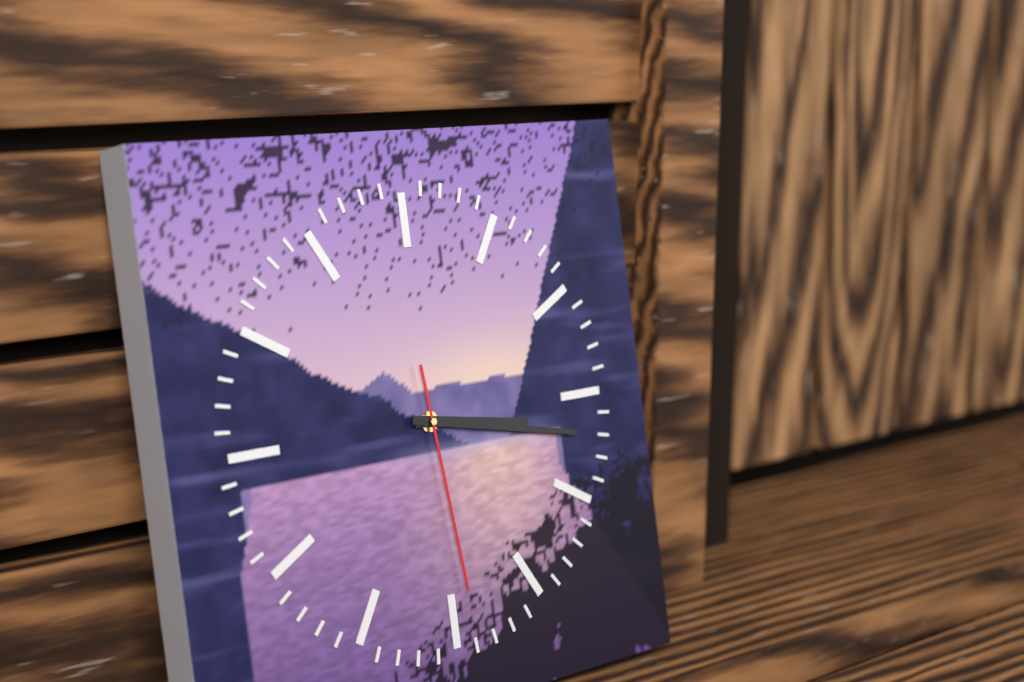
3:17:29
